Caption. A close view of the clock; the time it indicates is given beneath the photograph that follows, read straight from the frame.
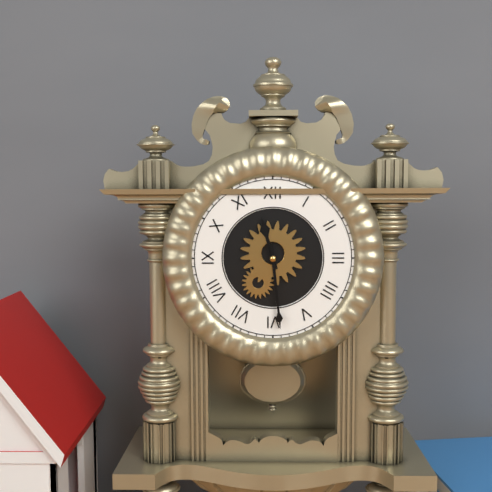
11:29
